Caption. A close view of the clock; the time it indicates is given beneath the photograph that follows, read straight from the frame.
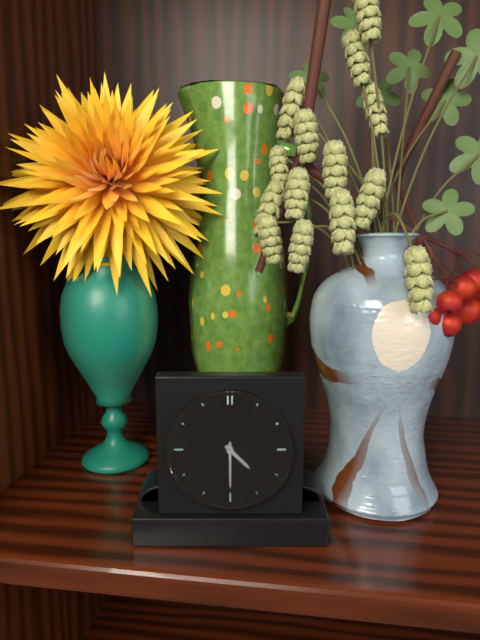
4:30
